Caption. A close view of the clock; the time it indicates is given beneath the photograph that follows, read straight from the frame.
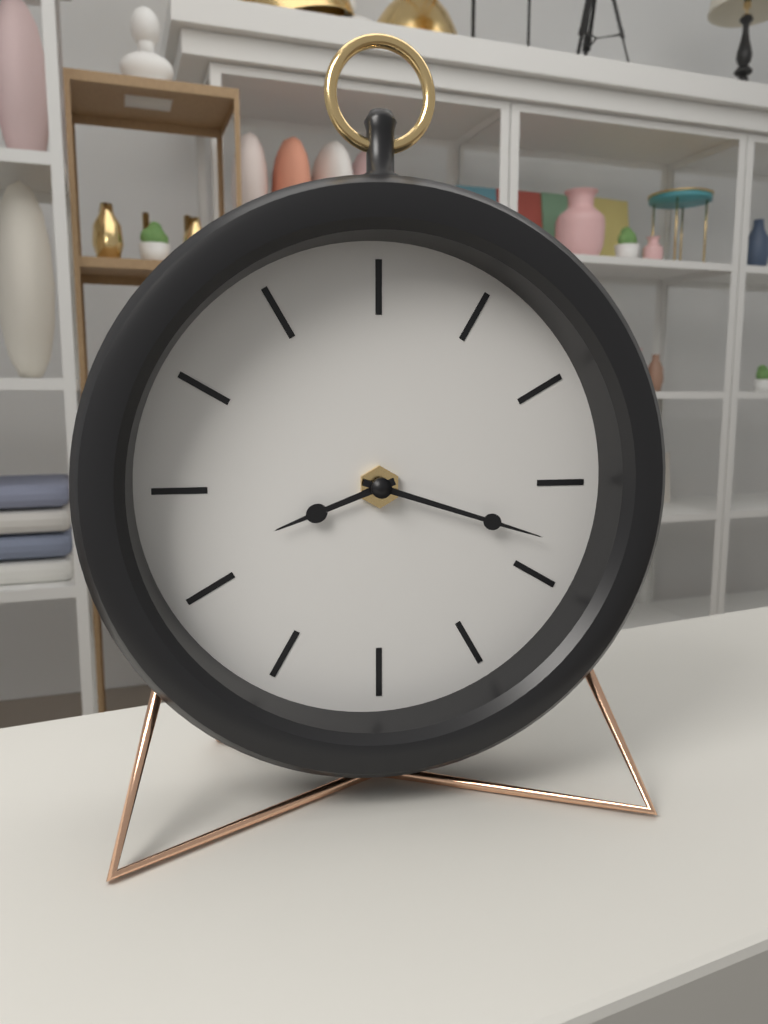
8:18
